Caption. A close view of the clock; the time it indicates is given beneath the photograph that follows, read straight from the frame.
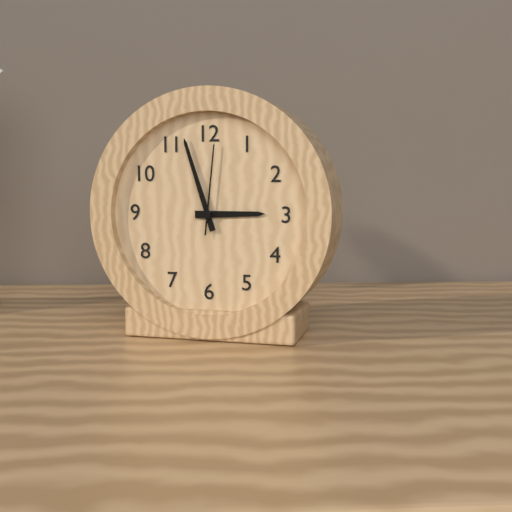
2:57:01
